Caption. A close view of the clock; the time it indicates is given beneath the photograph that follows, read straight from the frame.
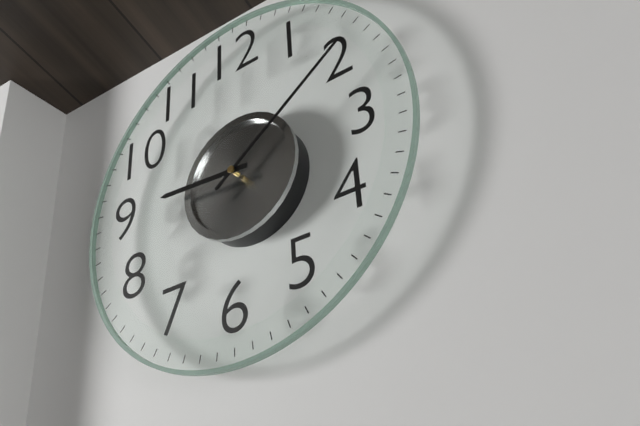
9:09
